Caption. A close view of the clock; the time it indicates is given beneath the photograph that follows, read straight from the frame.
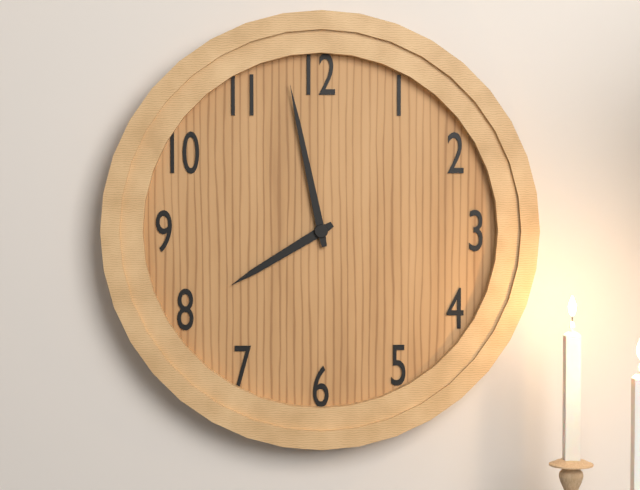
7:58
